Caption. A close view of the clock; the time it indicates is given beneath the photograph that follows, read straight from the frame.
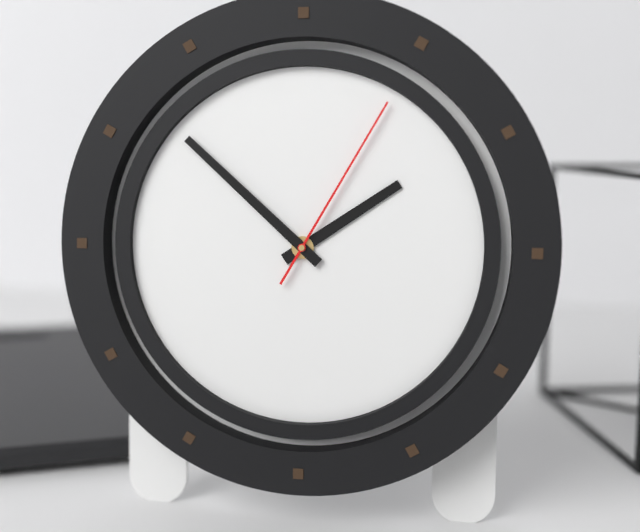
1:52:05
